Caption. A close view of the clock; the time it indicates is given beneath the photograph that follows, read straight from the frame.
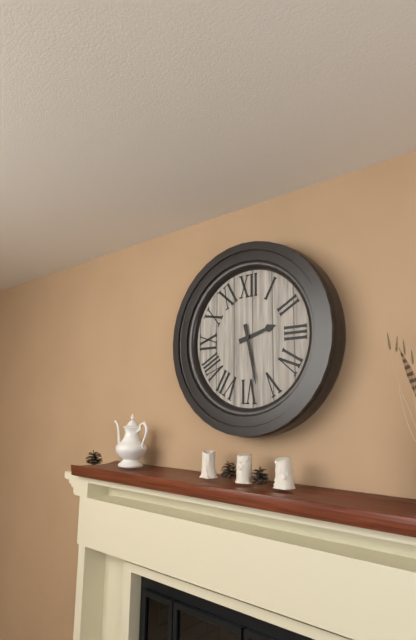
2:28
